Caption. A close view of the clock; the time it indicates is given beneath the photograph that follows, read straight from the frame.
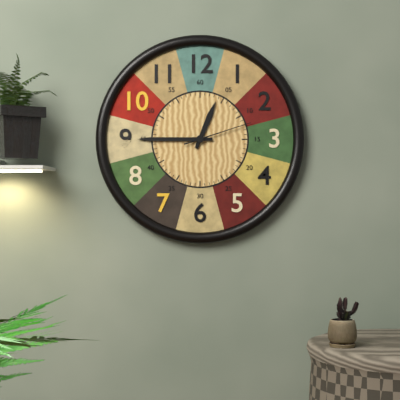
12:45:12
